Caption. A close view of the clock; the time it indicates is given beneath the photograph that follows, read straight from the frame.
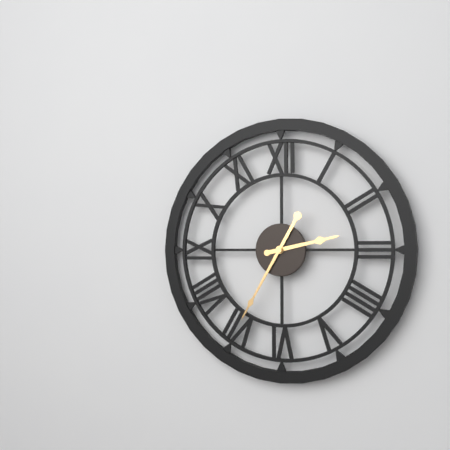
2:35
